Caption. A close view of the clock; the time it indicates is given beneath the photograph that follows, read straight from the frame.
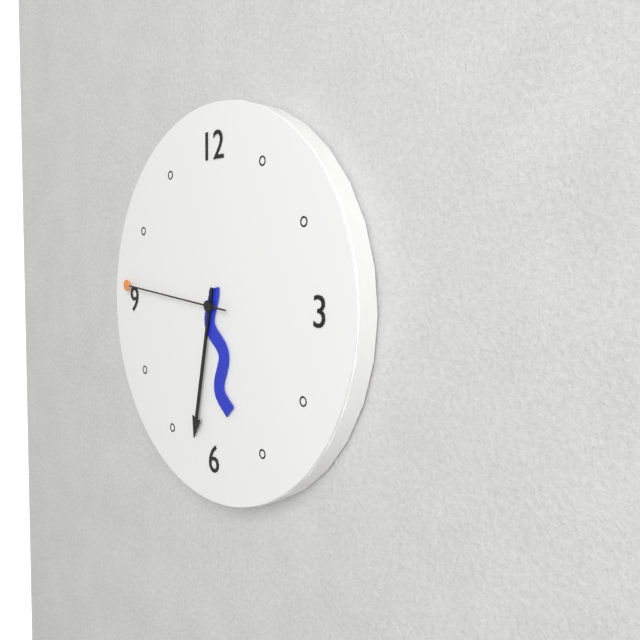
5:32:46
